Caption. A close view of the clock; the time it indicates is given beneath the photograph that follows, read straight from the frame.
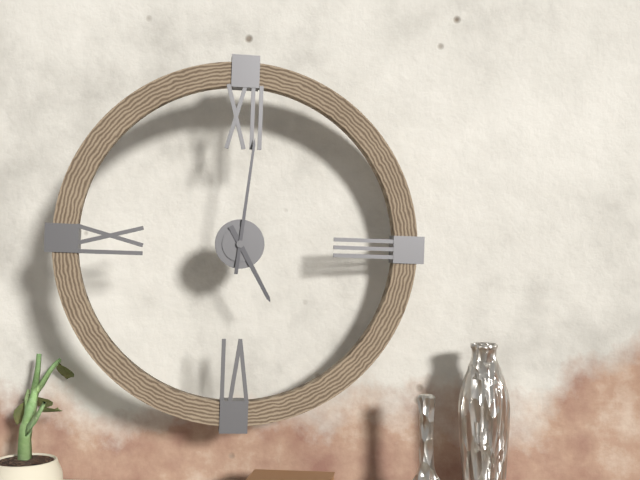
5:01
